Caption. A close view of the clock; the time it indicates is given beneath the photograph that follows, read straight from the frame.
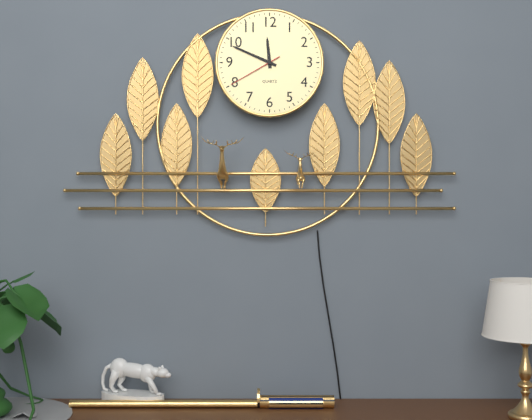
11:49:40
